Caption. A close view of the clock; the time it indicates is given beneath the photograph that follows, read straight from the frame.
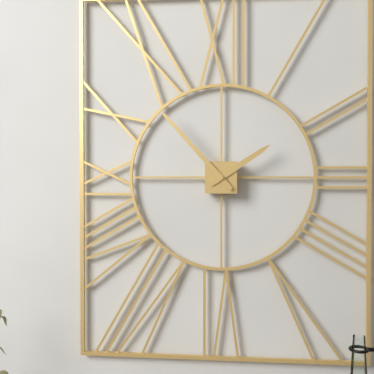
1:53
